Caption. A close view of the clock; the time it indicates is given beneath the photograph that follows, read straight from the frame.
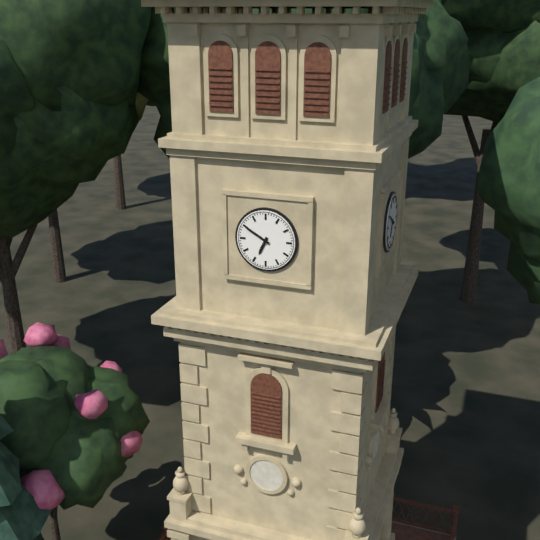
6:50
